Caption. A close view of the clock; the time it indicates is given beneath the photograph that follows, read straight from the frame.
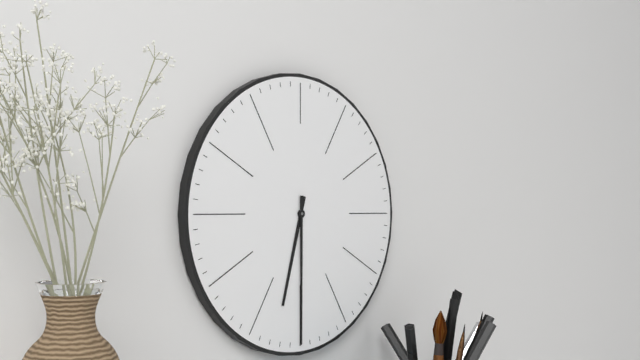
6:30
